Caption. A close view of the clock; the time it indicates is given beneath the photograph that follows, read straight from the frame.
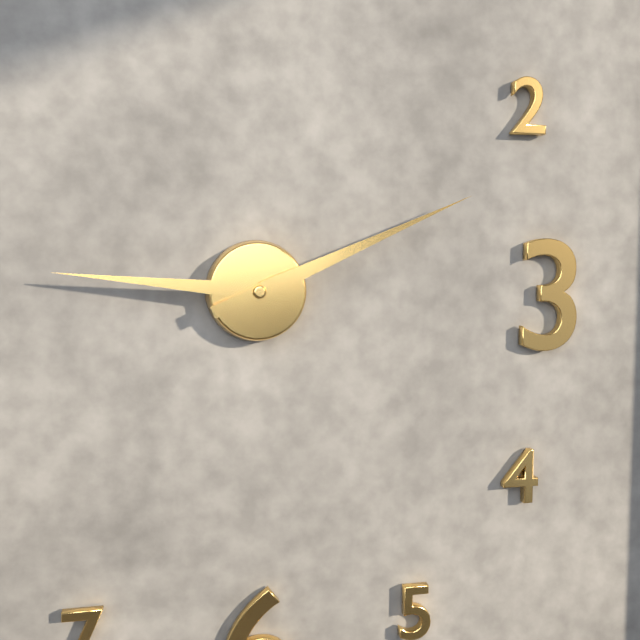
9:11
